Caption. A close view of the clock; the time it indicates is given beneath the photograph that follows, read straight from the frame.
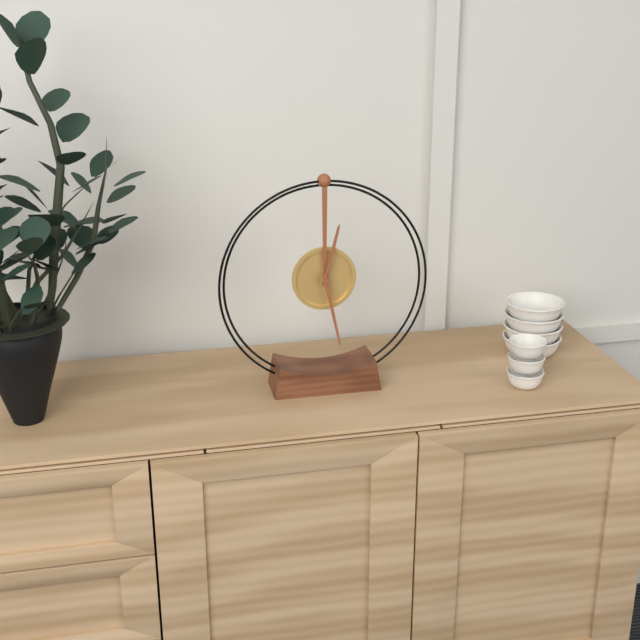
12:28
